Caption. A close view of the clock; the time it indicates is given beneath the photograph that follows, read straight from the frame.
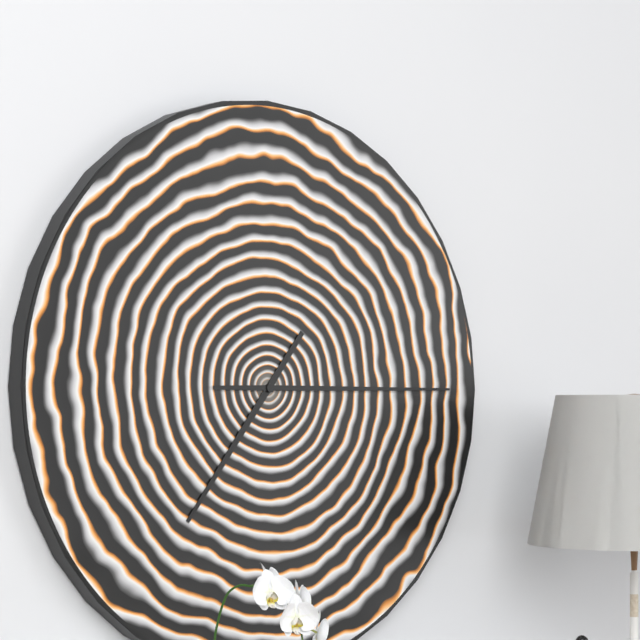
7:15
